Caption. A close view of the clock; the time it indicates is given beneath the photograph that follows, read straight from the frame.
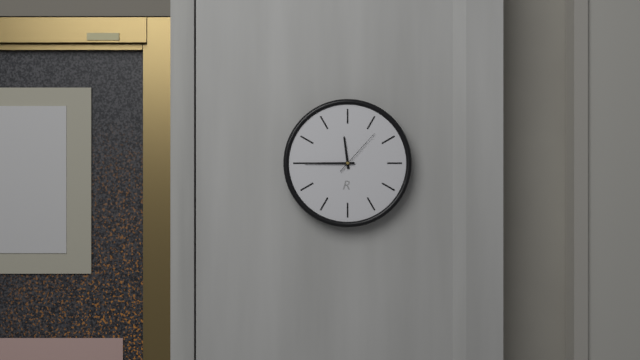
11:45:07
